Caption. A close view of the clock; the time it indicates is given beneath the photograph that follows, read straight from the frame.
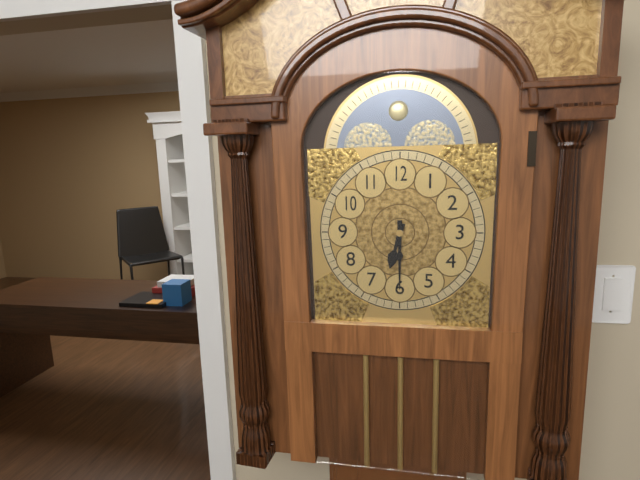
6:30
